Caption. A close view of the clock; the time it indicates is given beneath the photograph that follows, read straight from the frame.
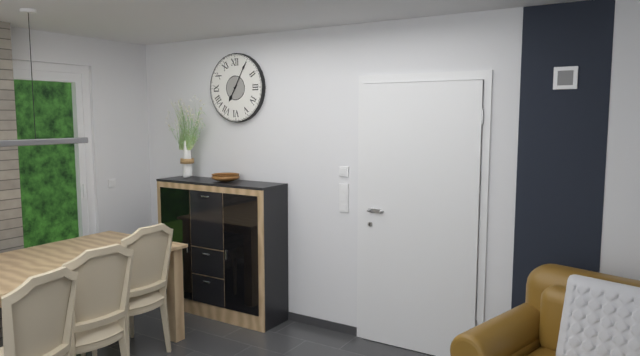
7:05
